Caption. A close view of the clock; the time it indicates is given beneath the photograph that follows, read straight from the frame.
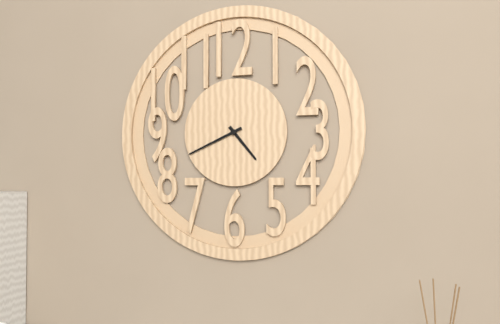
4:41
